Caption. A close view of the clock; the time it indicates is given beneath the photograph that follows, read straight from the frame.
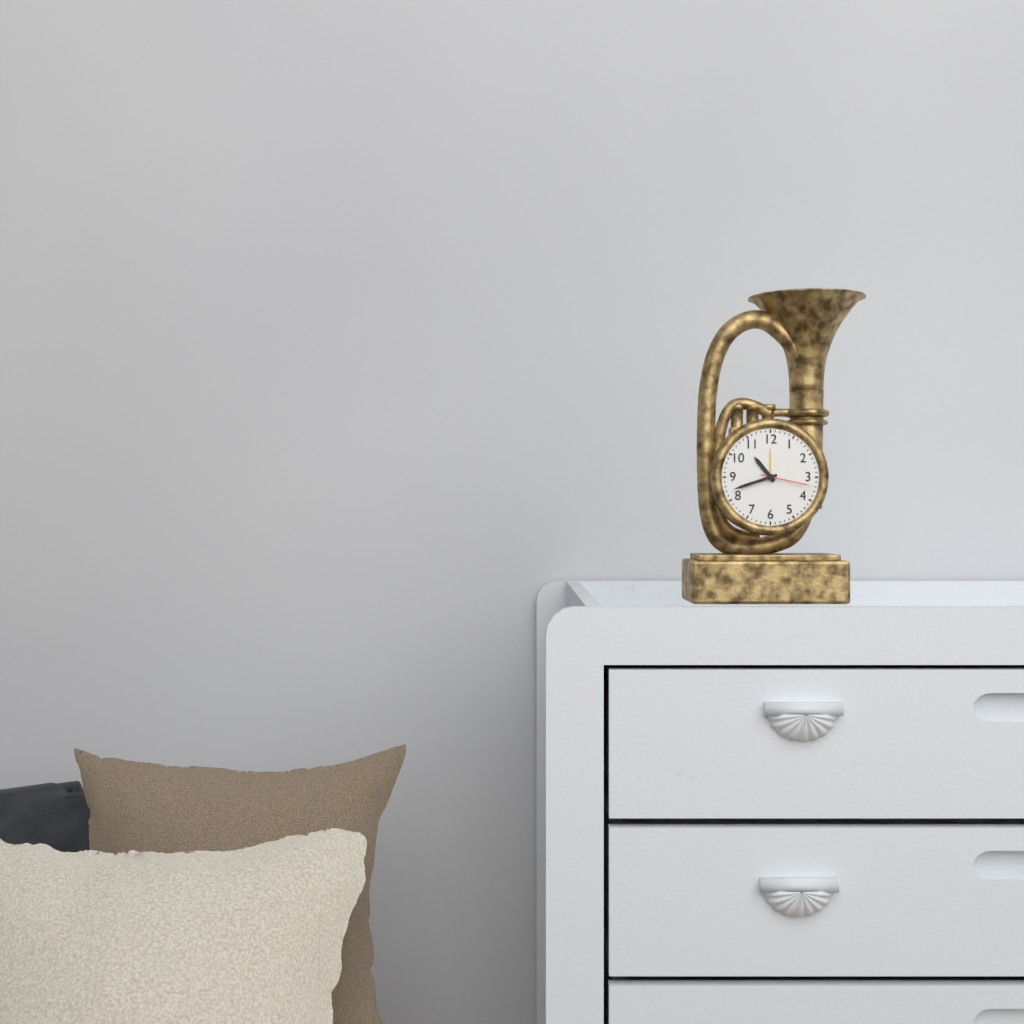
10:42:17
